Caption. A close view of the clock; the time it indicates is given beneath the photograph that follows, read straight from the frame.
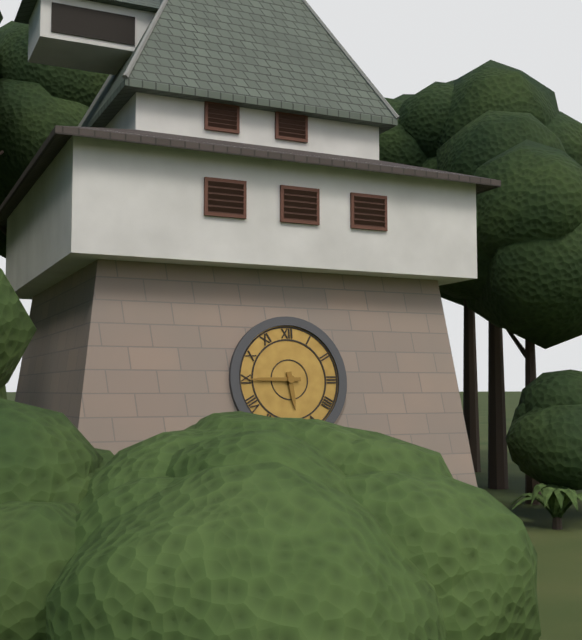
5:45
